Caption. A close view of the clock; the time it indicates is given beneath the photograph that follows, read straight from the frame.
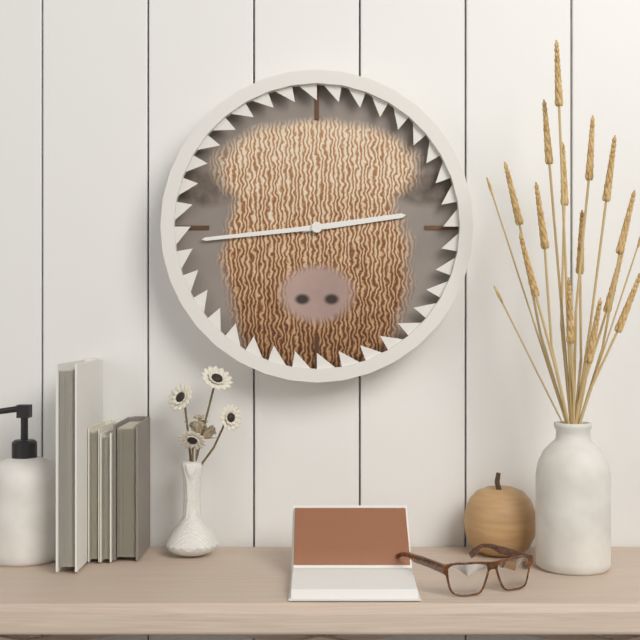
2:44
